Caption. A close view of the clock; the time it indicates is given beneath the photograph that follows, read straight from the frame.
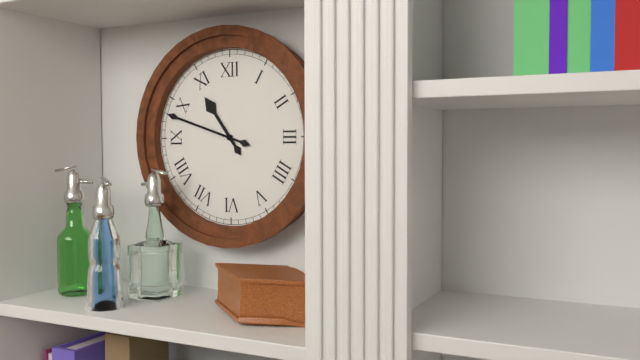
10:48
